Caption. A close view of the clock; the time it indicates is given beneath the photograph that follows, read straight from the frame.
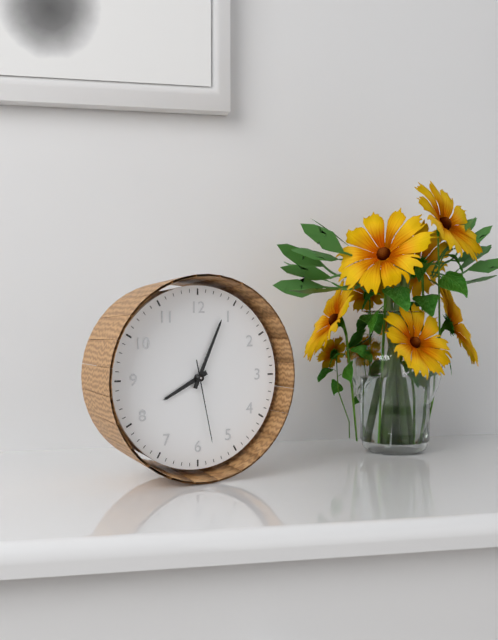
8:04:28
